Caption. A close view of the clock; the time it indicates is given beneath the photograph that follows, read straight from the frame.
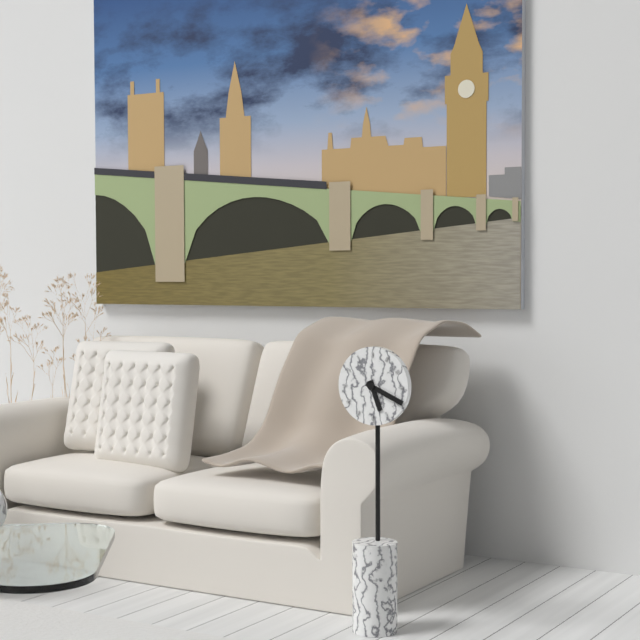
5:19
